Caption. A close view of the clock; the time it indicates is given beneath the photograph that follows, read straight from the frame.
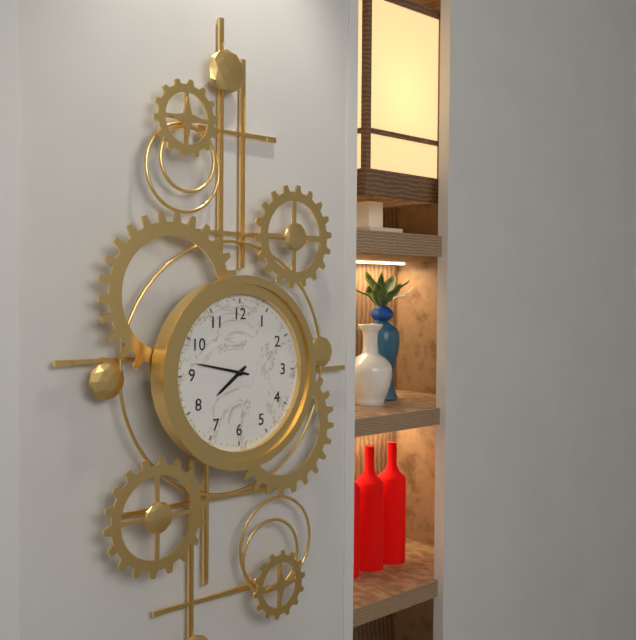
7:47
